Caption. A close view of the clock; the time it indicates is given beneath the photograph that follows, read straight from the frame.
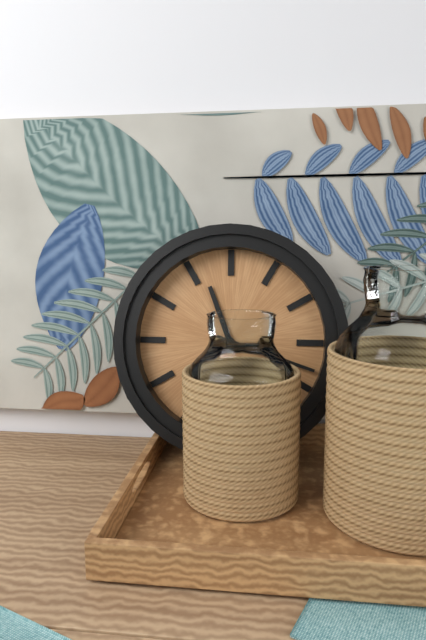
11:18
